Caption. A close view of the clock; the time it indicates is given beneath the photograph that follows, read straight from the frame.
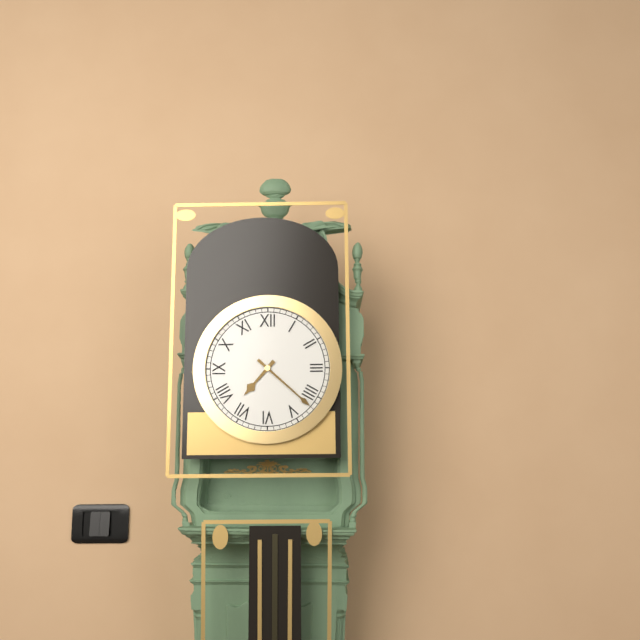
7:22
